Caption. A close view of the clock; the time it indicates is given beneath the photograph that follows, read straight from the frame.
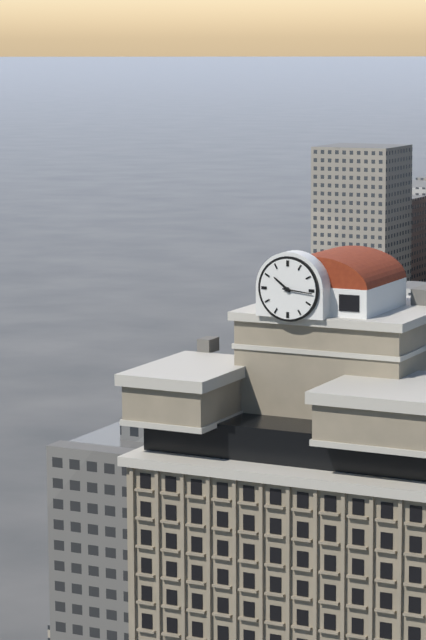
10:16
